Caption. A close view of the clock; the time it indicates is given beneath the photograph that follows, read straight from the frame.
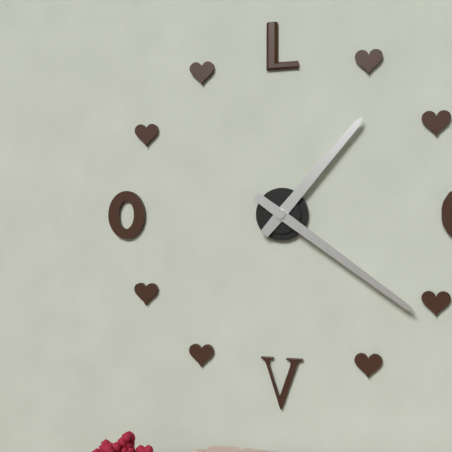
1:21
